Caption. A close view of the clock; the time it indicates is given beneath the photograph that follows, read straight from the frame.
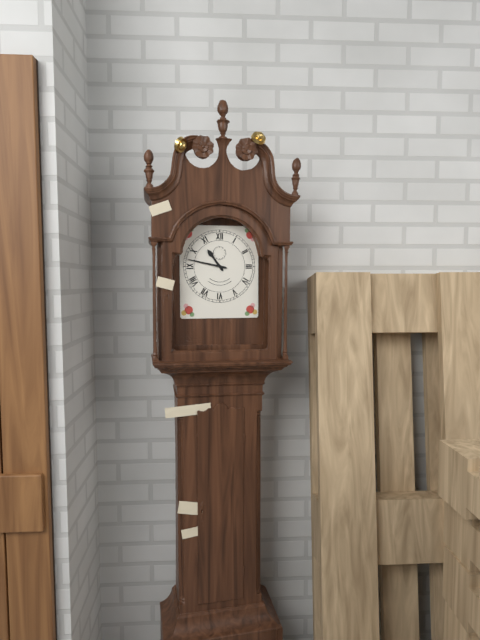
10:47
